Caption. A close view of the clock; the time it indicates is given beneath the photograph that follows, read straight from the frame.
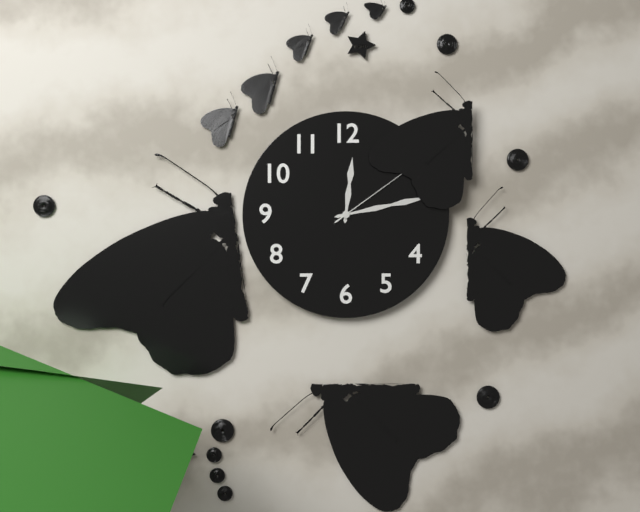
12:13:09
